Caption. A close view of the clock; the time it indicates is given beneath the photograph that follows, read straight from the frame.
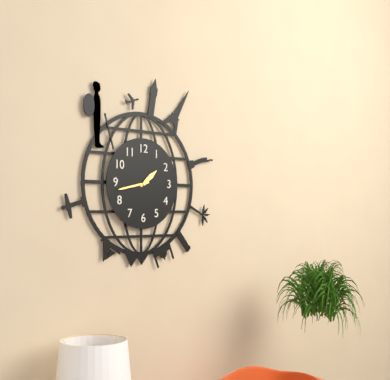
1:43
